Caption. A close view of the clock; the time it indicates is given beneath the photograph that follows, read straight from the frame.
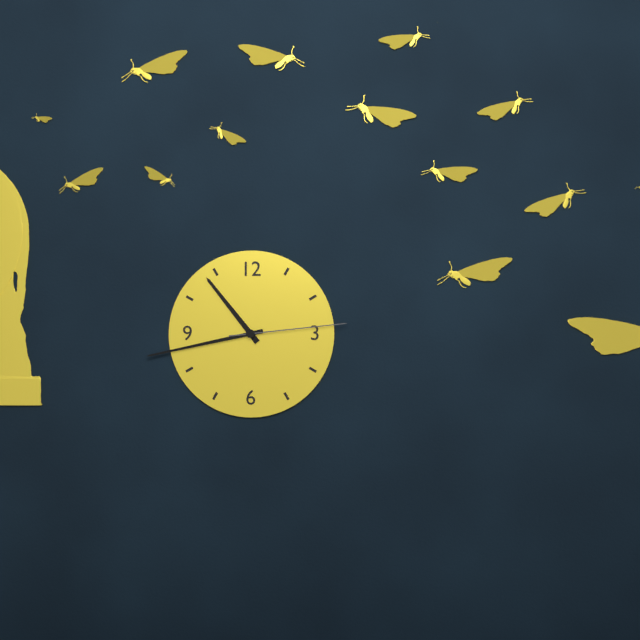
10:43:14
